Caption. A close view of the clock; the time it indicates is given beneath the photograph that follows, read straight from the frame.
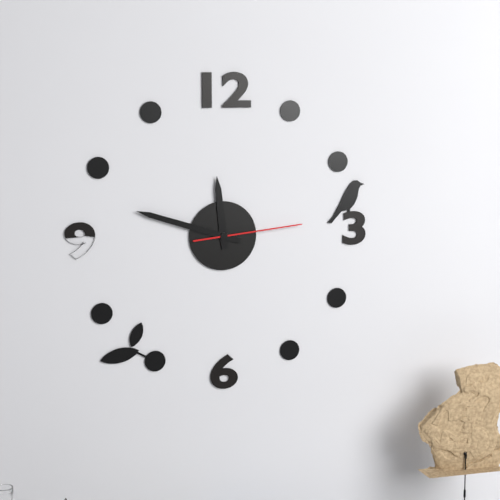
11:48:14
